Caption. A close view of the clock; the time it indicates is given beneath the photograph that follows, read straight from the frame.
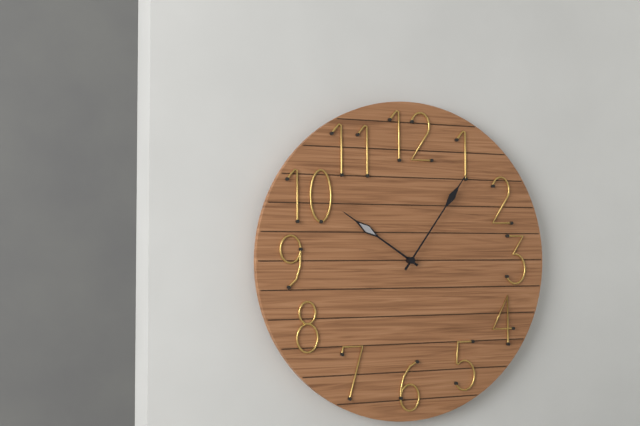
10:06
